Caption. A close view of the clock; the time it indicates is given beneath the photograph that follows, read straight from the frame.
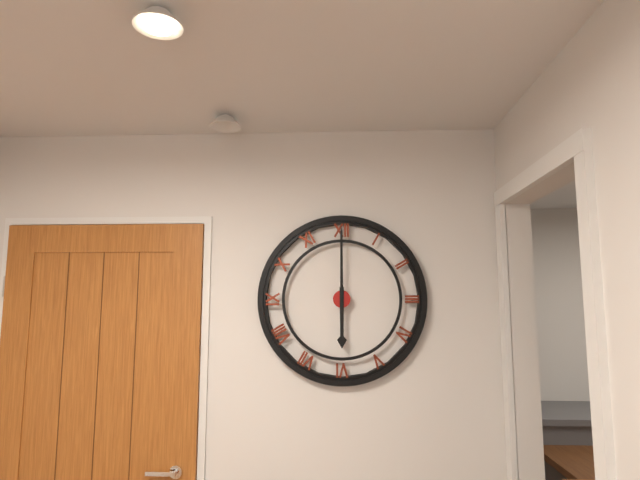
6:00
